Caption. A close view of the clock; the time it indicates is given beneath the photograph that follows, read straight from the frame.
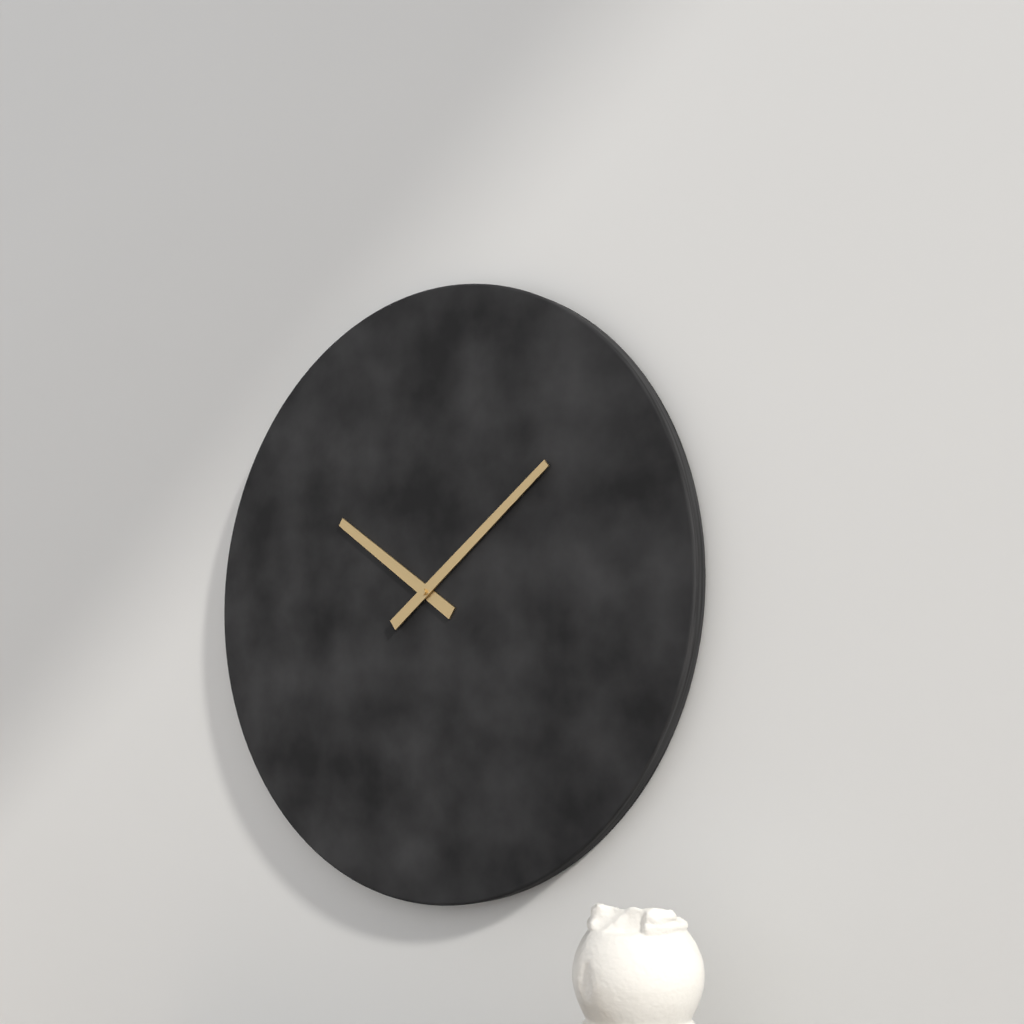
10:09
